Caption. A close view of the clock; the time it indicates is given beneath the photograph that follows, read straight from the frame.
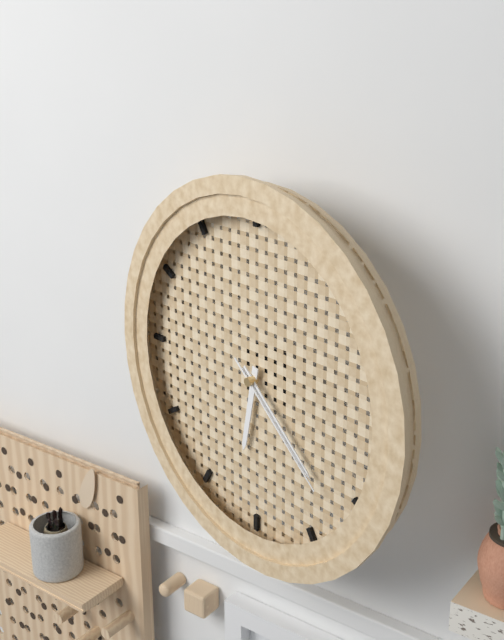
6:22:22
